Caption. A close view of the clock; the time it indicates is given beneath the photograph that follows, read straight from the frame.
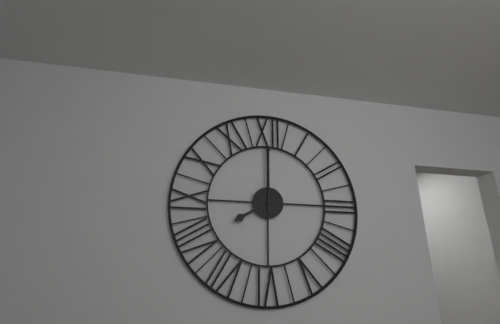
8:00
